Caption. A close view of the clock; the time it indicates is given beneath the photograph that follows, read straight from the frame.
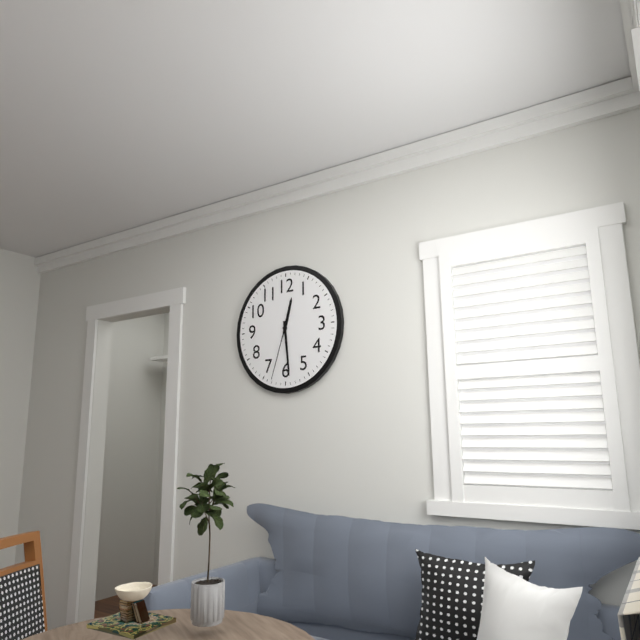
12:29:33
